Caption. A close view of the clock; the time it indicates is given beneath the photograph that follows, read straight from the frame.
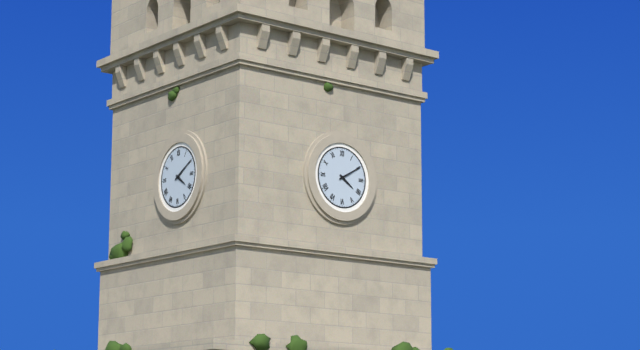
4:10
